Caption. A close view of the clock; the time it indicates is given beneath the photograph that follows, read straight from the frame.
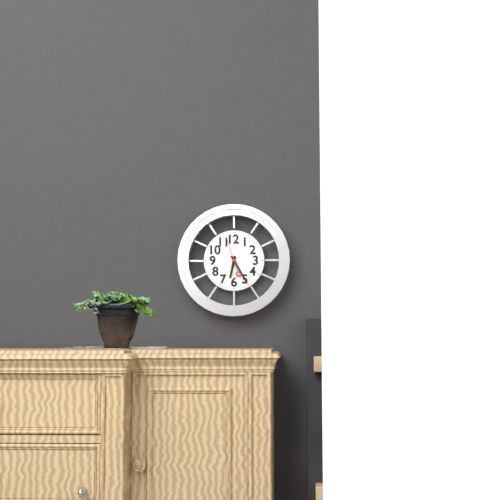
6:25
